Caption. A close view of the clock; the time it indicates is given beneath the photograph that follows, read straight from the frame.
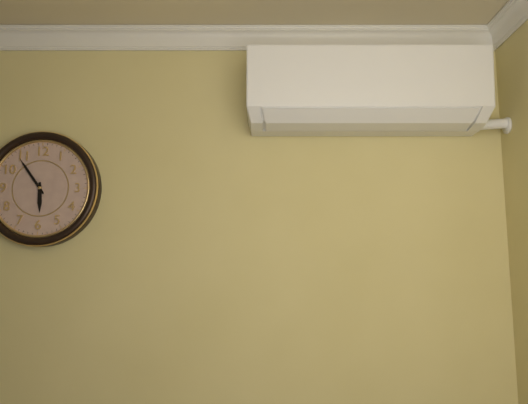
5:54
